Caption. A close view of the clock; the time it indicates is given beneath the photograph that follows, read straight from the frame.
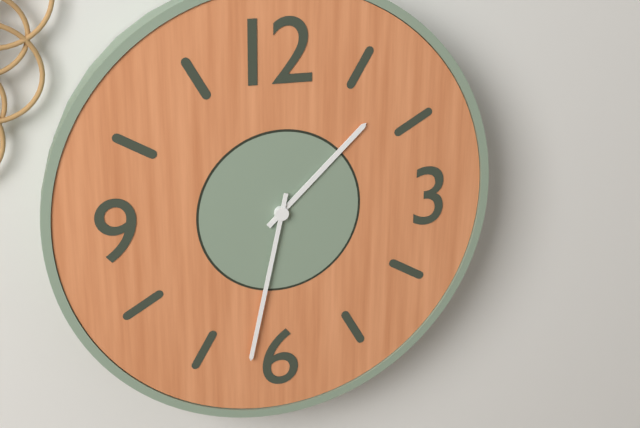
1:32
